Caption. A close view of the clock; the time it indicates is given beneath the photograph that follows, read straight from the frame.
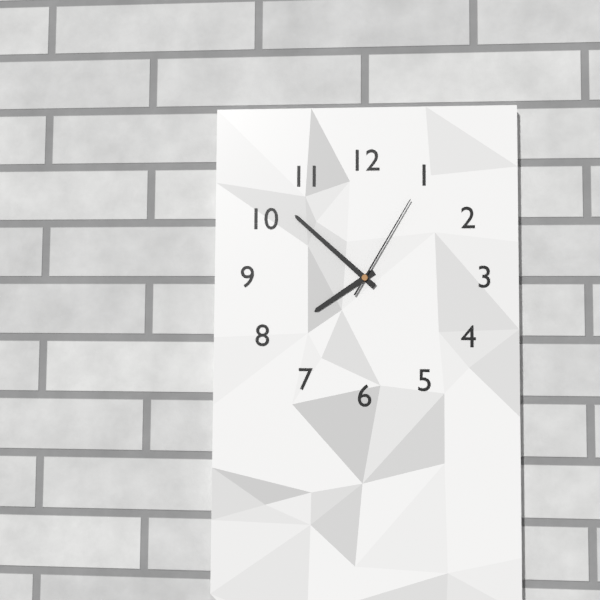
7:52:05
